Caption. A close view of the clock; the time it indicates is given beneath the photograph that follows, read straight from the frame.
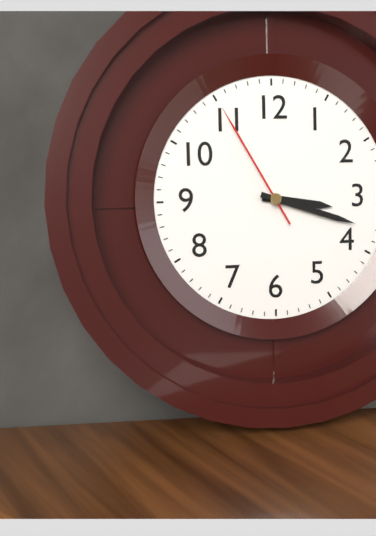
3:18:55
